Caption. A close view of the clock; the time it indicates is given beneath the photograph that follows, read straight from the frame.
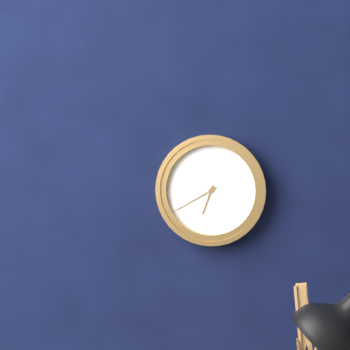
6:40
